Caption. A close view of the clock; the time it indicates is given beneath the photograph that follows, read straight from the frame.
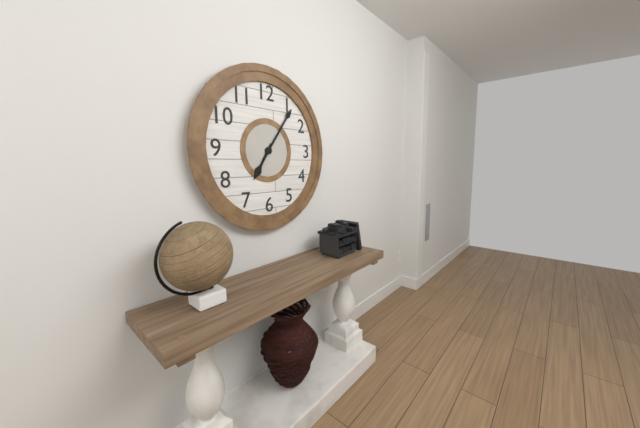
7:06
